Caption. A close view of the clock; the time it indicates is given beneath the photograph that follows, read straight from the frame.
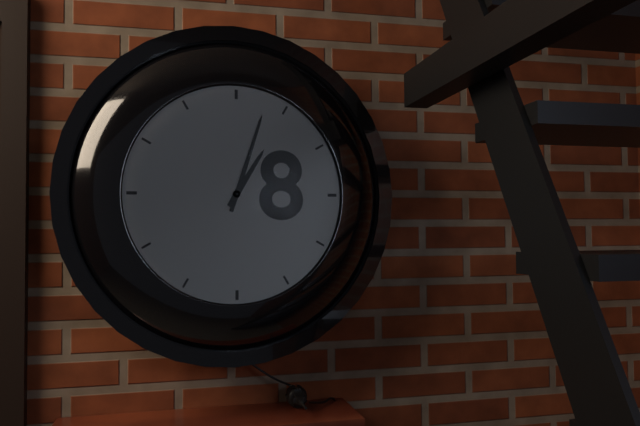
1:03
